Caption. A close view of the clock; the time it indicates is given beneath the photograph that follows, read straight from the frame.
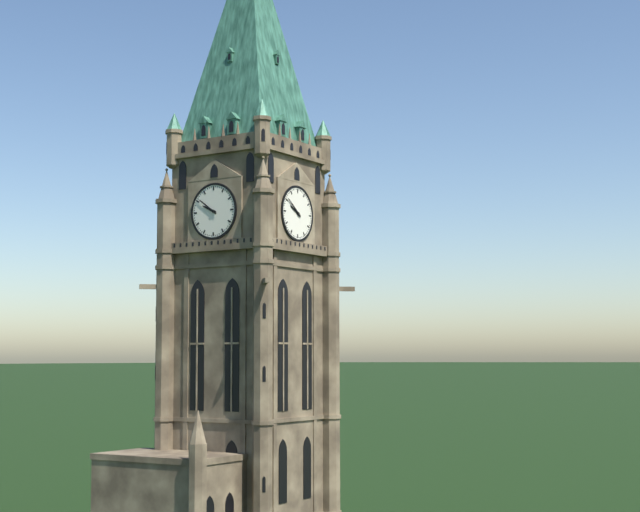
9:51
